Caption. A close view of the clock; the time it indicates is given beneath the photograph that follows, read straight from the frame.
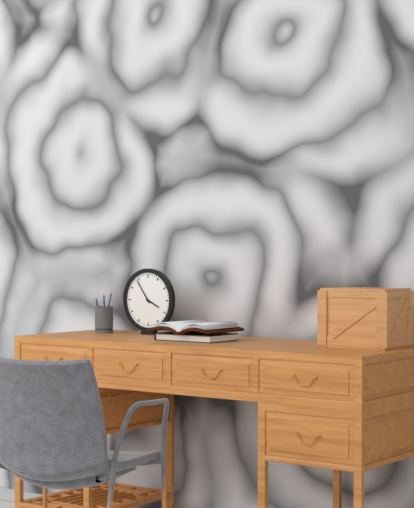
3:54
